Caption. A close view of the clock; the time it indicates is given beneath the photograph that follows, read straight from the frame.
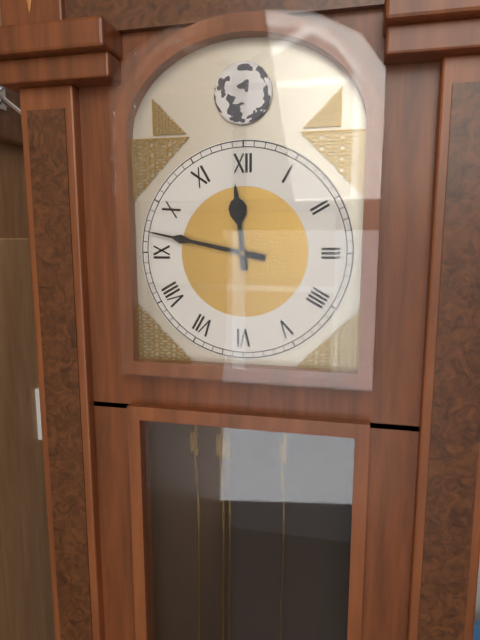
11:47
